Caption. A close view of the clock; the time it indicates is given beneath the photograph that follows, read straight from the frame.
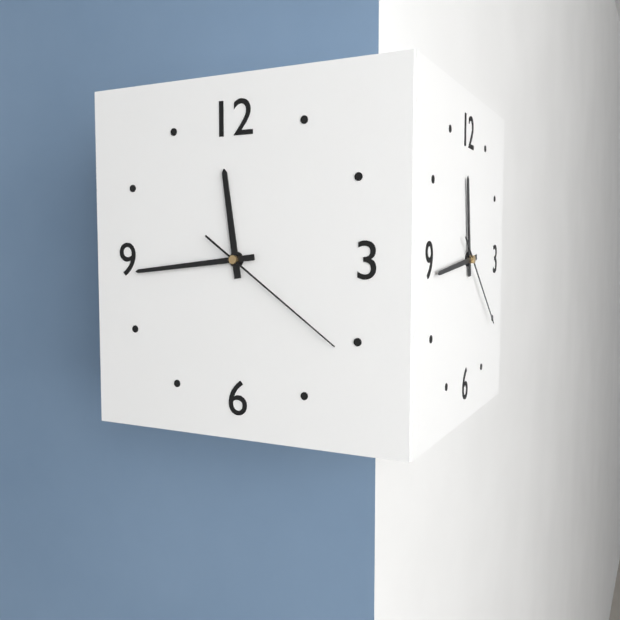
11:44:21
